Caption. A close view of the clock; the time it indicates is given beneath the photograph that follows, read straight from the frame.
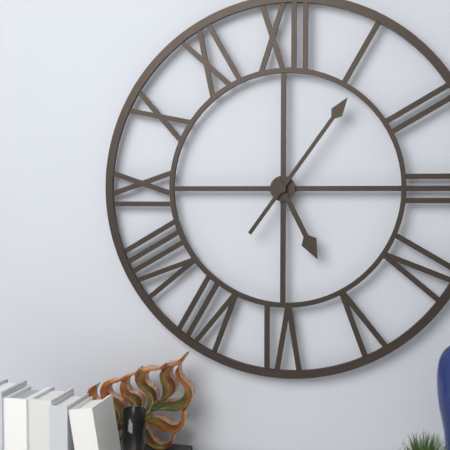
5:06
